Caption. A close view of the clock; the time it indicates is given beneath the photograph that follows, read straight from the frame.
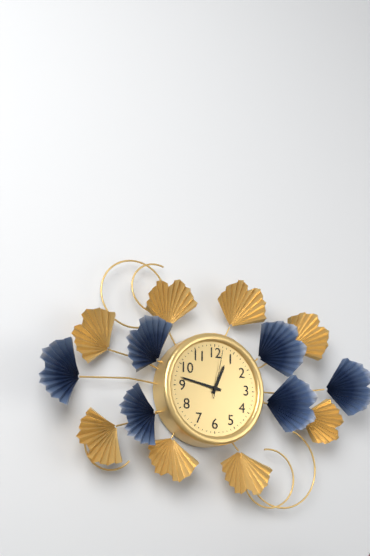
12:47
